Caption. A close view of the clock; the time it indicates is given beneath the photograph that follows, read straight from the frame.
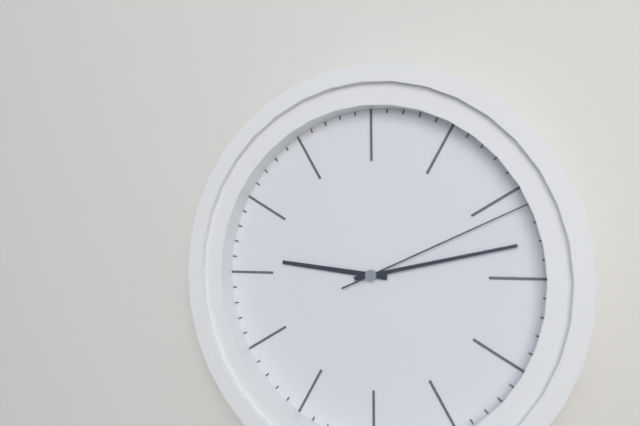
9:13:11
